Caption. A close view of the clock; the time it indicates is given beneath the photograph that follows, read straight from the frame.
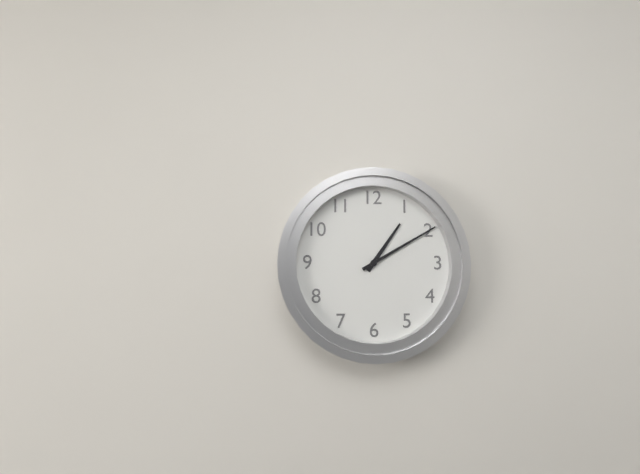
1:10
